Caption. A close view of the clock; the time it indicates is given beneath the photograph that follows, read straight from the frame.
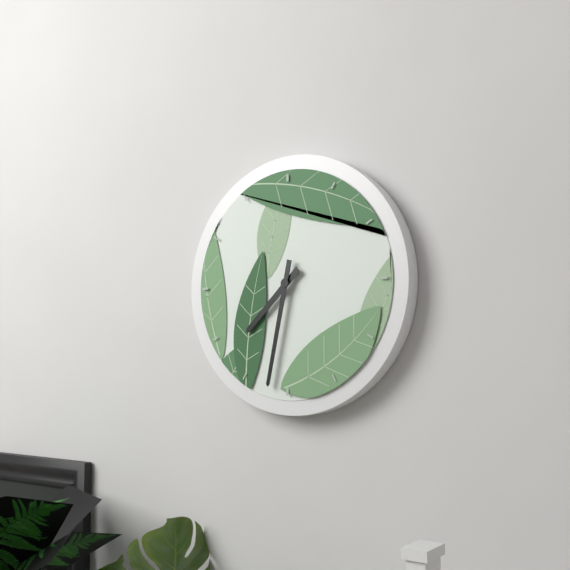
7:32
